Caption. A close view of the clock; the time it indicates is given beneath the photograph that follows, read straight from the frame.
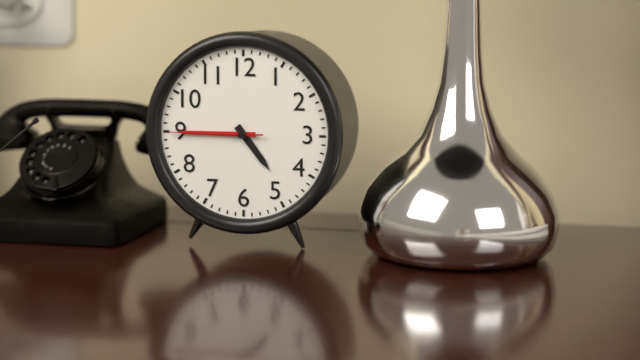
4:45:45
